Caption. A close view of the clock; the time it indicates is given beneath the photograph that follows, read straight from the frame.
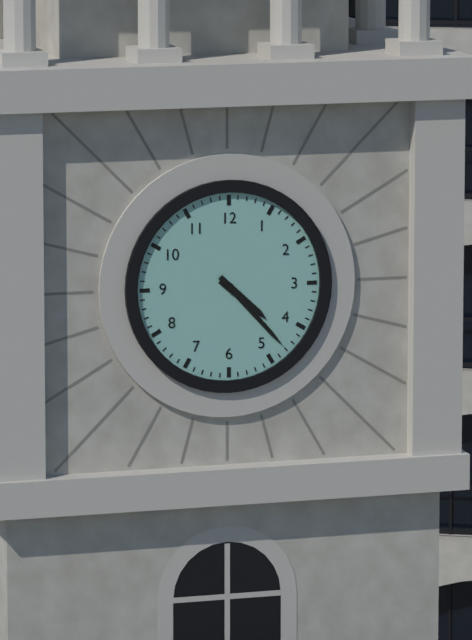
4:23
